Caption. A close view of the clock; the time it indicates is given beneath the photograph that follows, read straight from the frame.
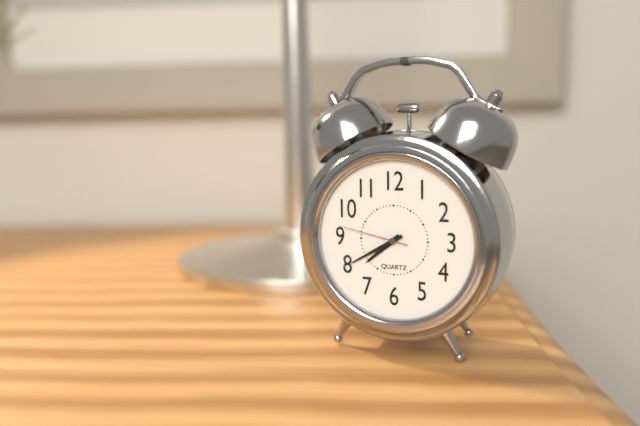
7:40:47
